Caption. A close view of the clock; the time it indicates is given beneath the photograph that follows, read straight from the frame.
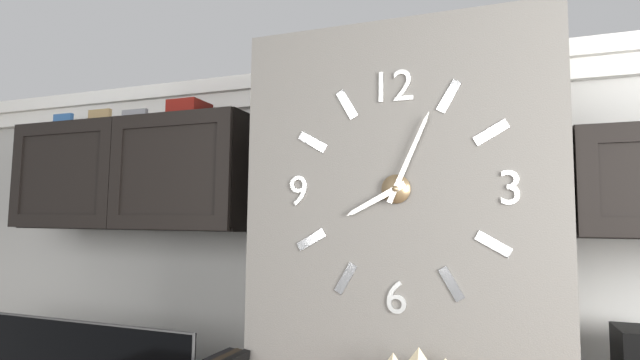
8:04
